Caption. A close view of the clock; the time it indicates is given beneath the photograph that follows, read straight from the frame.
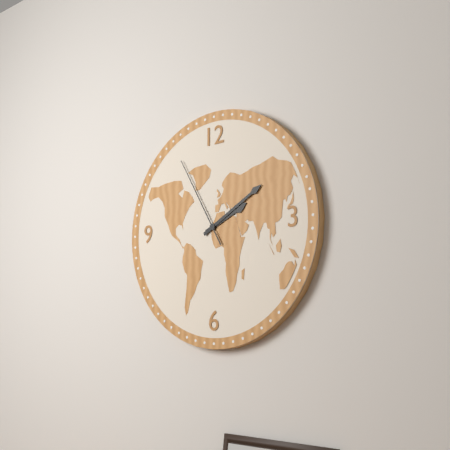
2:10:55
